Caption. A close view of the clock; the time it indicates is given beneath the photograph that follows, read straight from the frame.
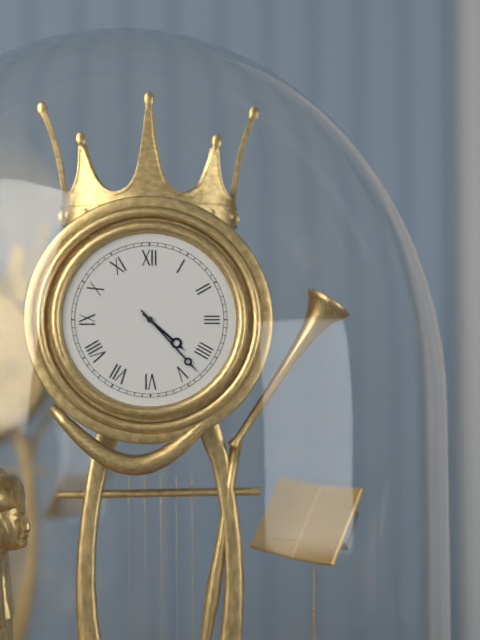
4:23
